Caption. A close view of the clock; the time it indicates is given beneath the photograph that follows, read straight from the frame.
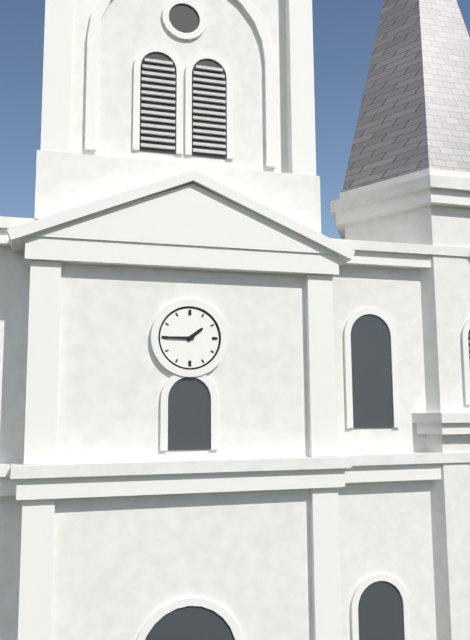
1:45
